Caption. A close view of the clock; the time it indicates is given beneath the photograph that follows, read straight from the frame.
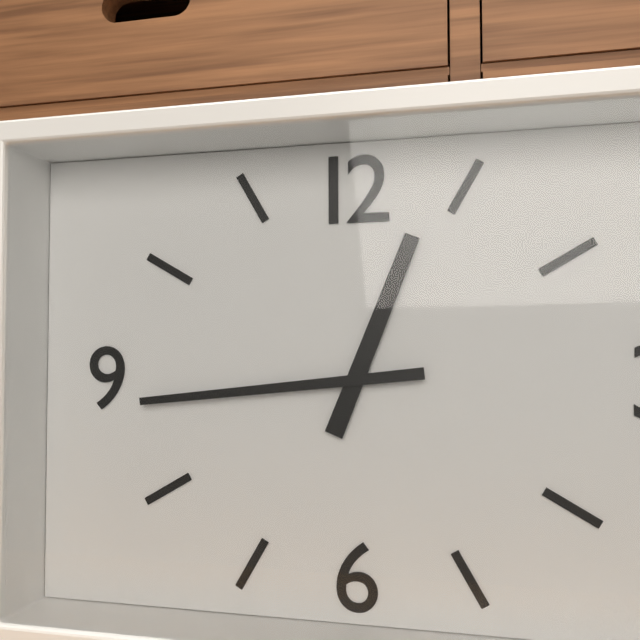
12:44
